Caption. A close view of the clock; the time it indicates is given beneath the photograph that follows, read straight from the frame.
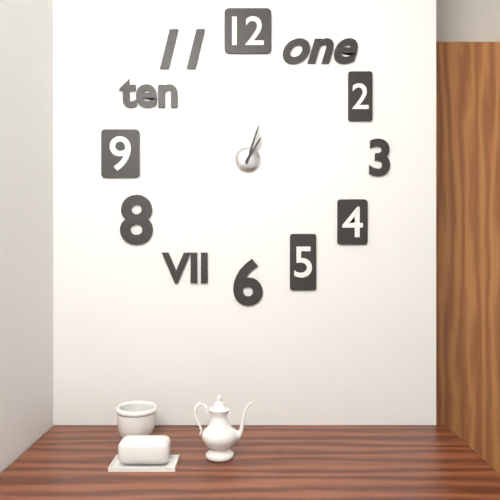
1:03
